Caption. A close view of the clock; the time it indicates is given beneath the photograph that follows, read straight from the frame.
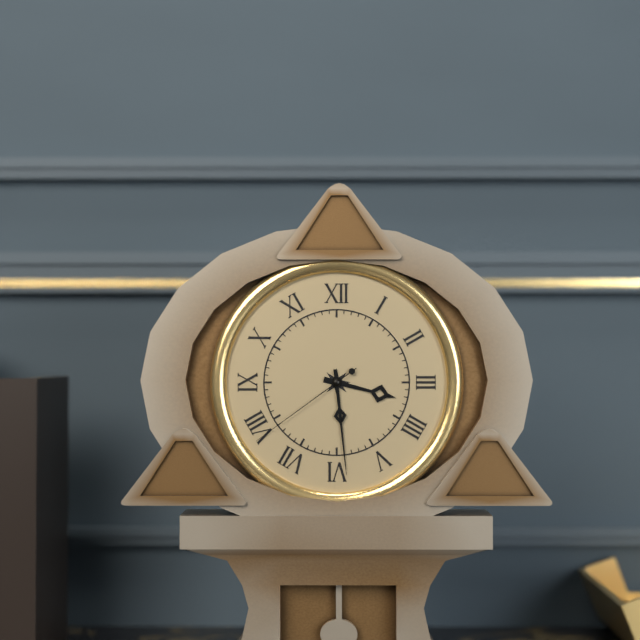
3:29:39
